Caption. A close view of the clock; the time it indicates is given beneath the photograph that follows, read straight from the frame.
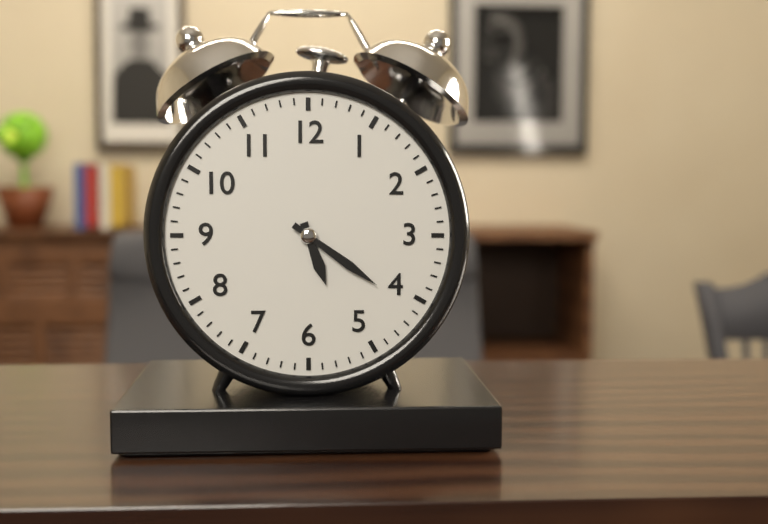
5:21
